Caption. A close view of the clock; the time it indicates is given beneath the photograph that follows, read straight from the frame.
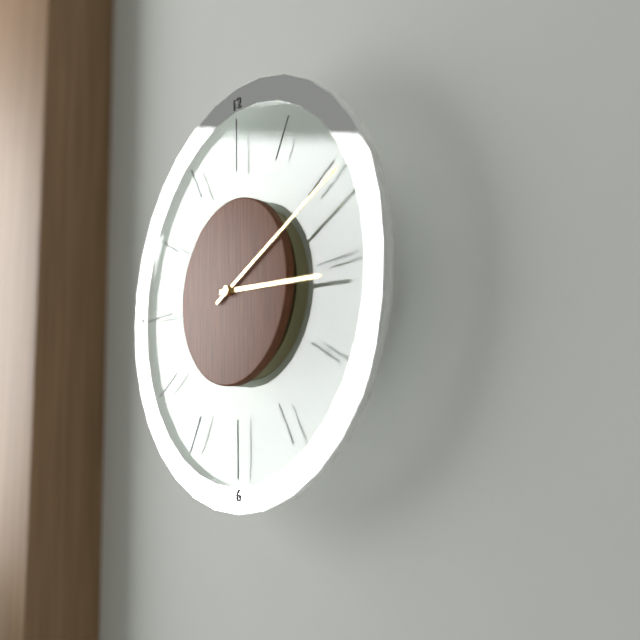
3:11
